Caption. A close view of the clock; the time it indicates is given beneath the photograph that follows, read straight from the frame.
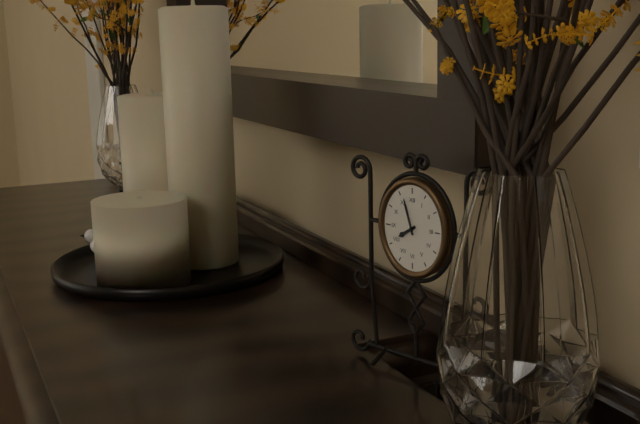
7:57
